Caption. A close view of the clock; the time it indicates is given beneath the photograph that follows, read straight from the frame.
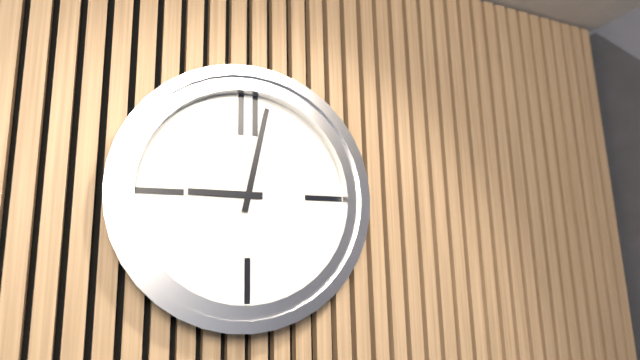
9:02
